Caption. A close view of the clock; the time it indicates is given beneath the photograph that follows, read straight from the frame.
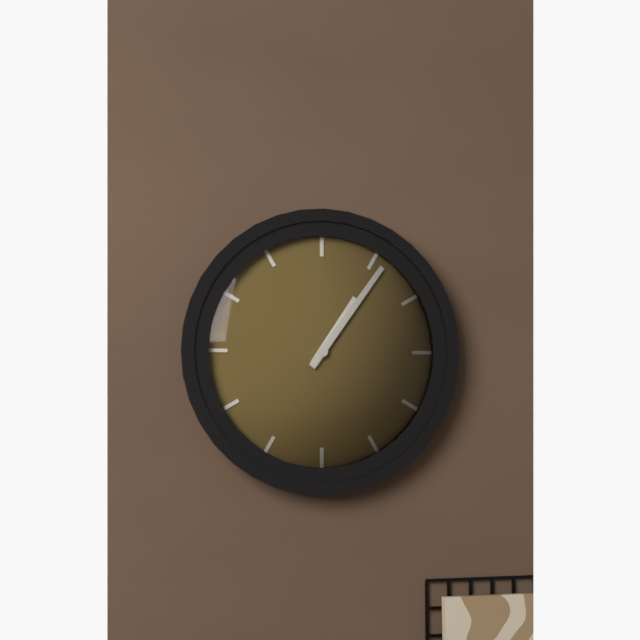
1:06
